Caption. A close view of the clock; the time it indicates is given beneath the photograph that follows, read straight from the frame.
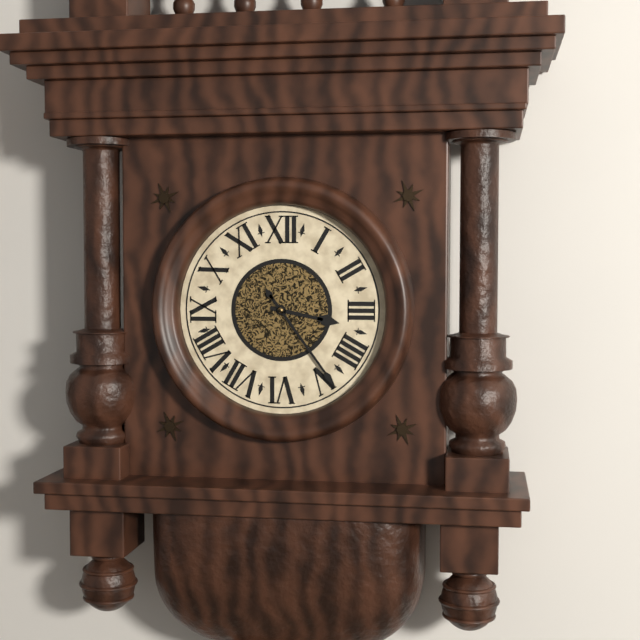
3:24
